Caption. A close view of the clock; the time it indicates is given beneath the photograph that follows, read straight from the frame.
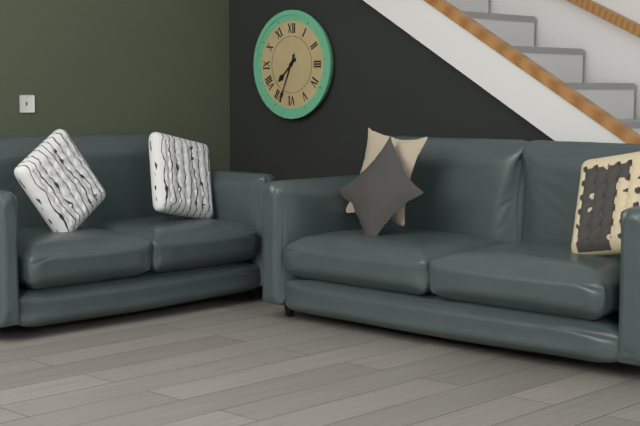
7:34
